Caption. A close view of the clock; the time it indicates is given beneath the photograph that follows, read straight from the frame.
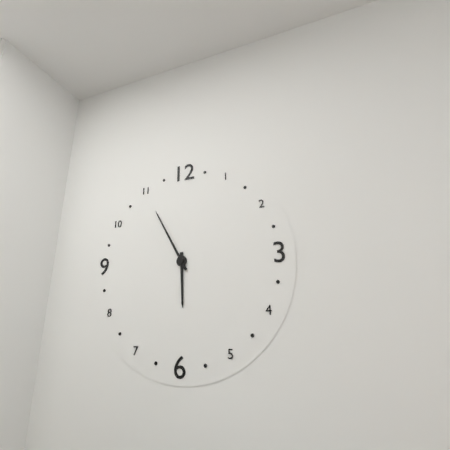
5:55
